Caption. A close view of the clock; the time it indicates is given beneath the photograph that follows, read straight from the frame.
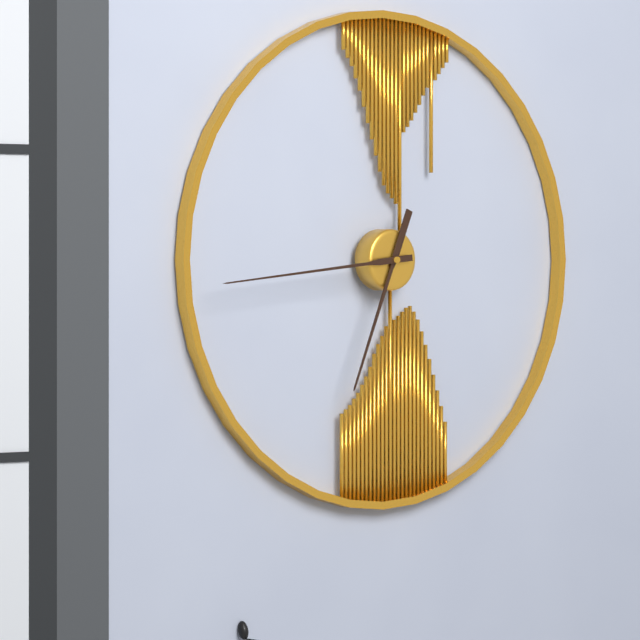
6:44
